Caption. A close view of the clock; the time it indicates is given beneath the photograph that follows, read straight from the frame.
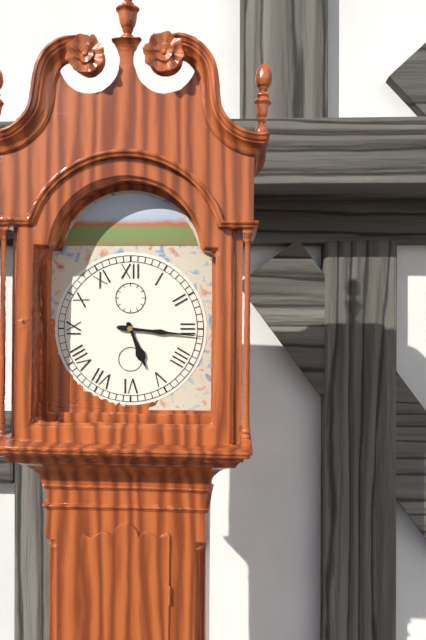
5:16
